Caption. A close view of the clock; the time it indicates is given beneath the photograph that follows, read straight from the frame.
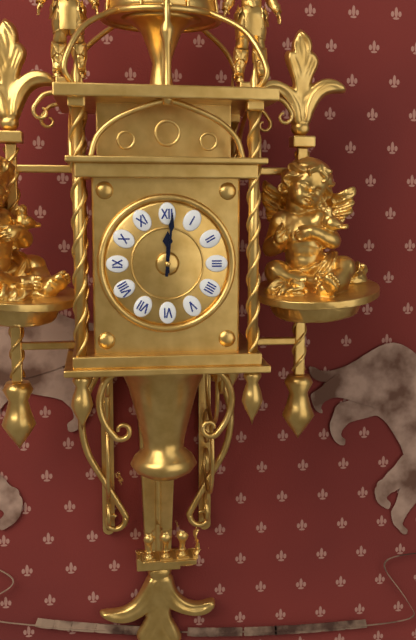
12:01
